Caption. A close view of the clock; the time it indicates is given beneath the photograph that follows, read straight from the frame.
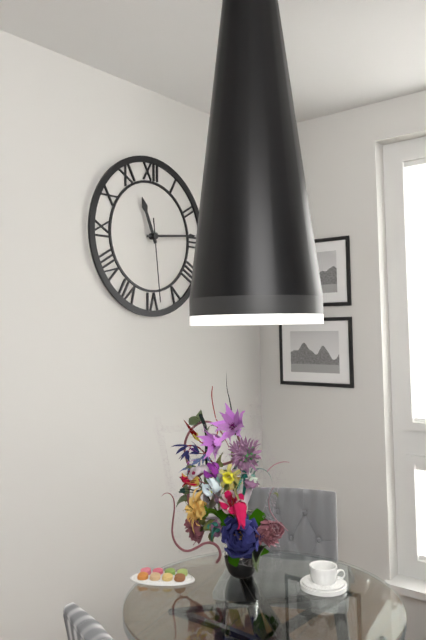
11:14:29
